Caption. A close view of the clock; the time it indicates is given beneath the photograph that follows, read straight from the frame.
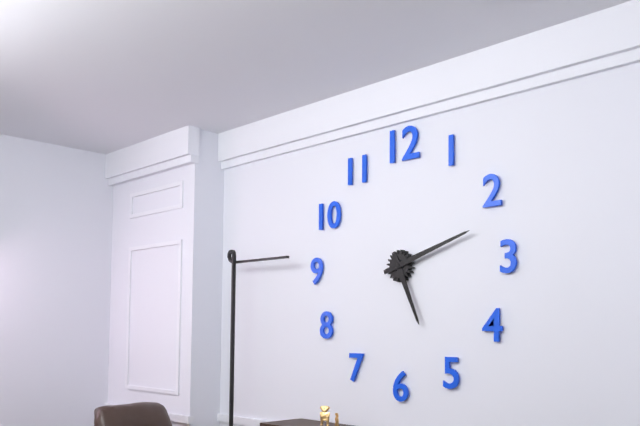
5:12
